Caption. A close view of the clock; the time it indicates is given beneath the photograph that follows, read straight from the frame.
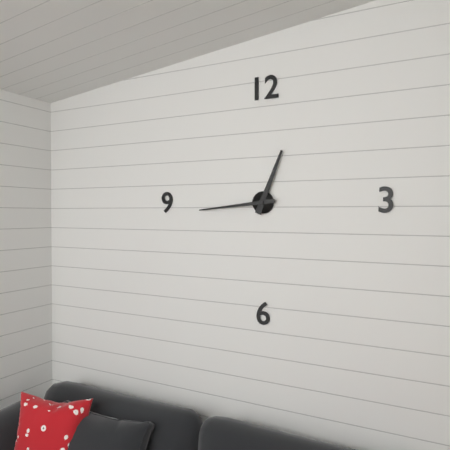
12:44
